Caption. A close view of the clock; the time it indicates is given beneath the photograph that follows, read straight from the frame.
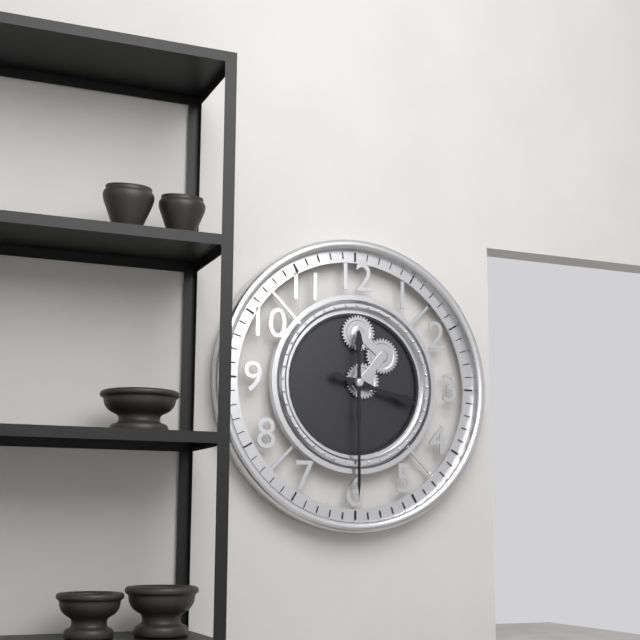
3:30
